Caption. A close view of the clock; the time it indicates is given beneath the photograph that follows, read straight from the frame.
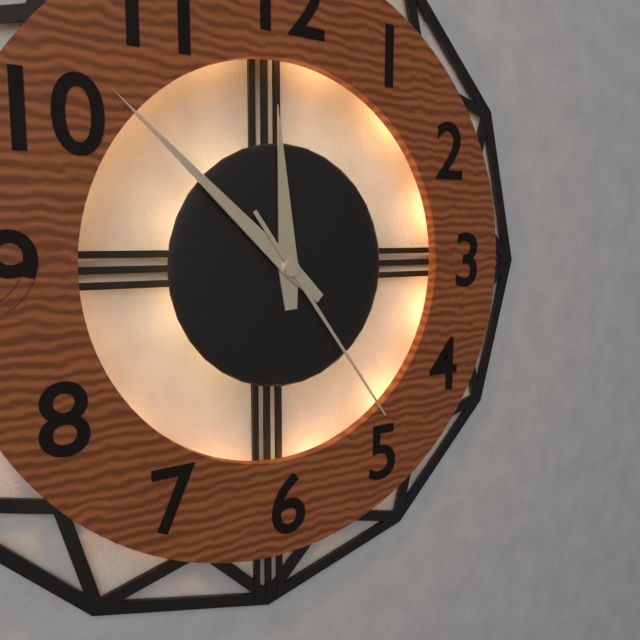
11:52:24
